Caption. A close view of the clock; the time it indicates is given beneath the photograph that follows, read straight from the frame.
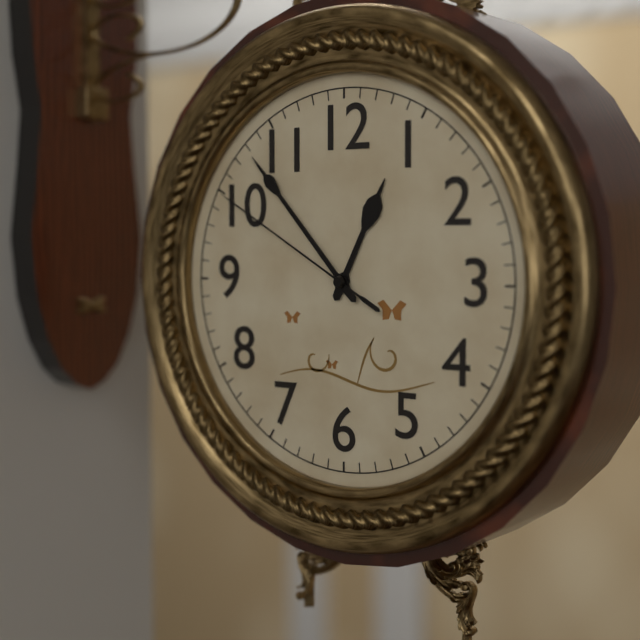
12:53:50
